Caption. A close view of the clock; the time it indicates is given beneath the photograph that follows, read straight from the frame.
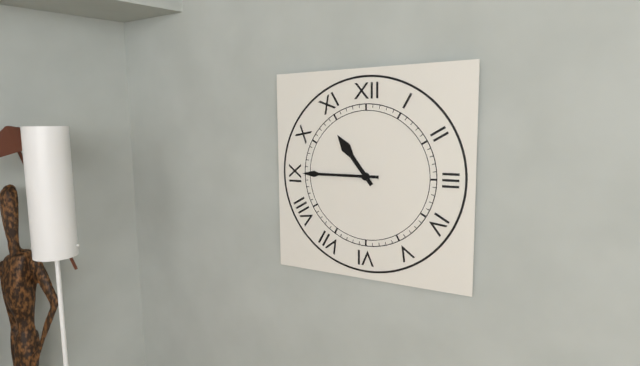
10:45
